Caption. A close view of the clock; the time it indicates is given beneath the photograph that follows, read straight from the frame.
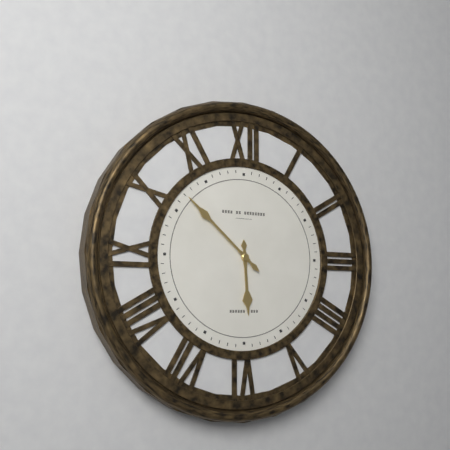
5:52
